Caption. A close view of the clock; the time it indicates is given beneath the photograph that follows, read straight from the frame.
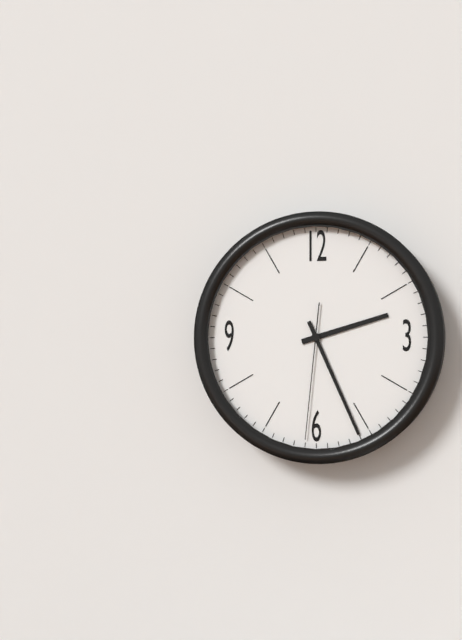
2:26:31
